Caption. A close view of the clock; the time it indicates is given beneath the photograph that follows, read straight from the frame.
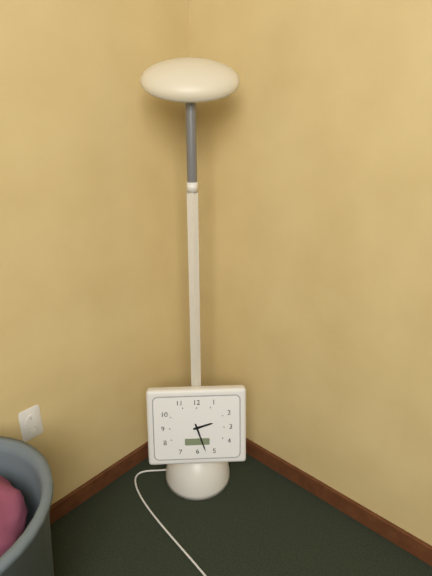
2:27
